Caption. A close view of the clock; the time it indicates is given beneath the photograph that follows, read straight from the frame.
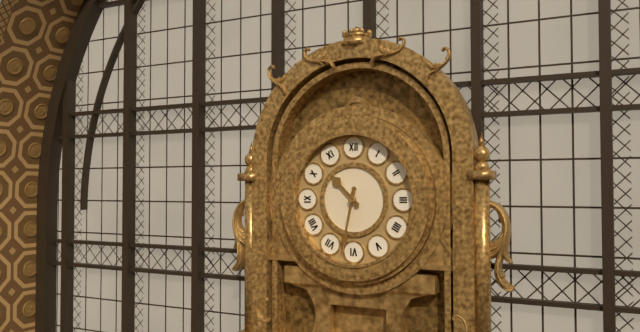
10:32
